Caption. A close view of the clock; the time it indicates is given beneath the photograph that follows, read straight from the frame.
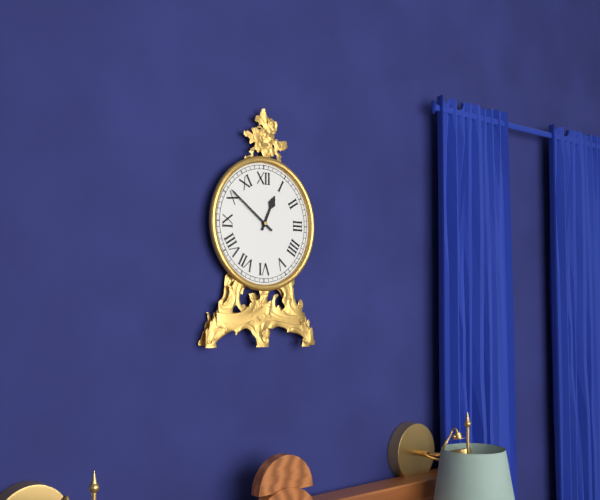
12:51
